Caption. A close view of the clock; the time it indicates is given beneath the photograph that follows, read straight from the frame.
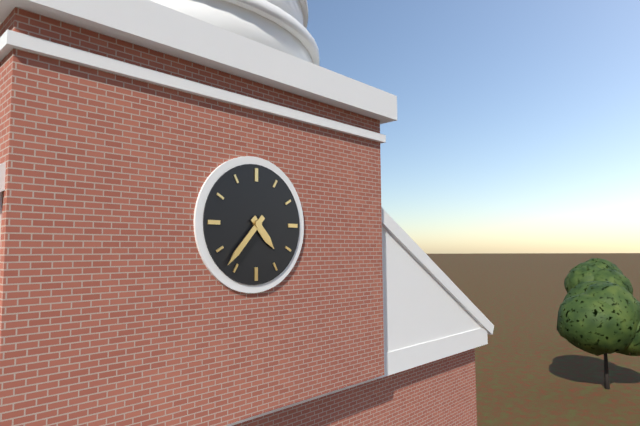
4:37
